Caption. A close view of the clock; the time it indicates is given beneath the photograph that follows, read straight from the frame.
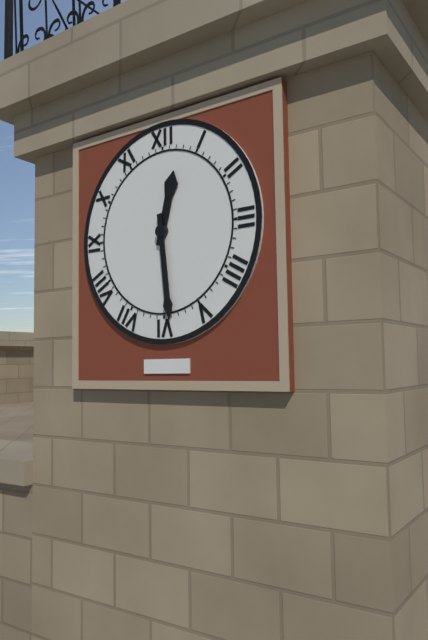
12:29
